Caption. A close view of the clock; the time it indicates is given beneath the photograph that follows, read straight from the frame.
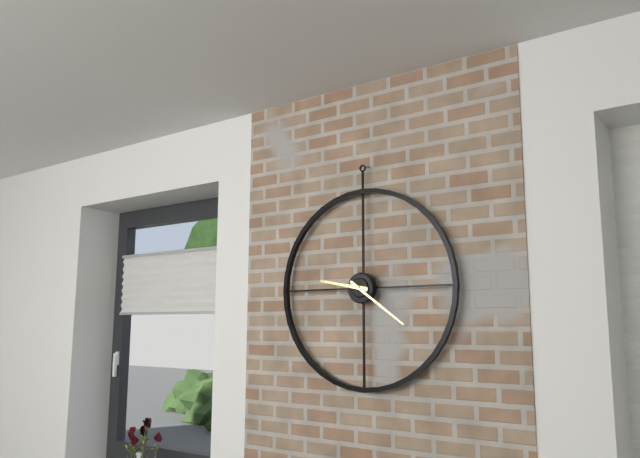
9:21
